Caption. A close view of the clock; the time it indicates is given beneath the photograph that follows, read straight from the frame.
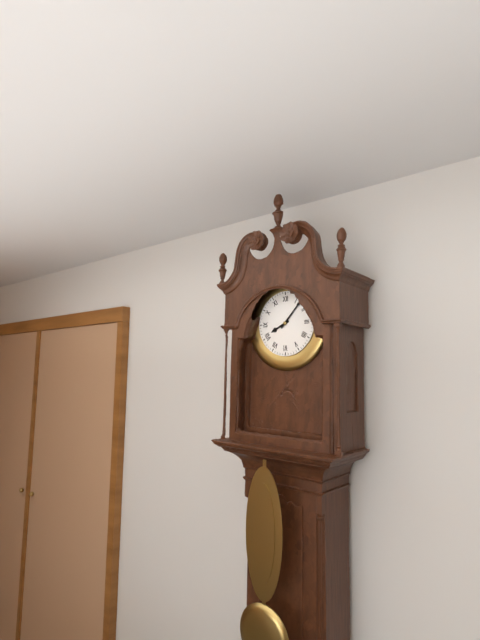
8:07
